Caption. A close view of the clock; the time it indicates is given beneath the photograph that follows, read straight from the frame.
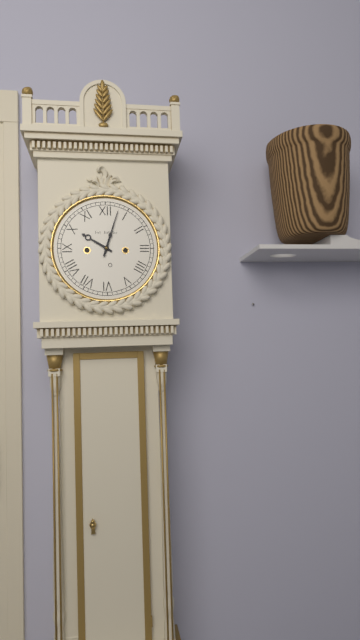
10:03
